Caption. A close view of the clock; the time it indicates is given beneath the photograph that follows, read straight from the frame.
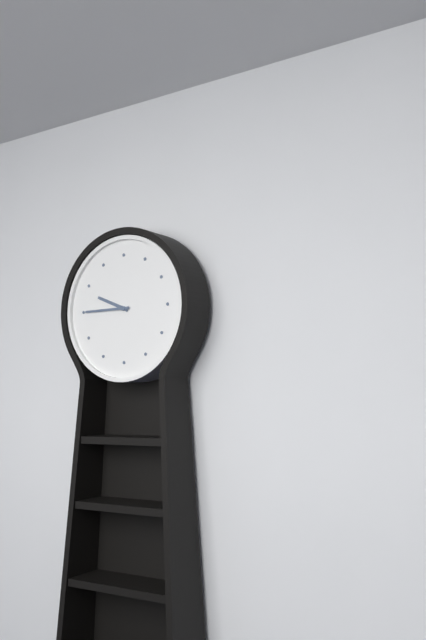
9:45
